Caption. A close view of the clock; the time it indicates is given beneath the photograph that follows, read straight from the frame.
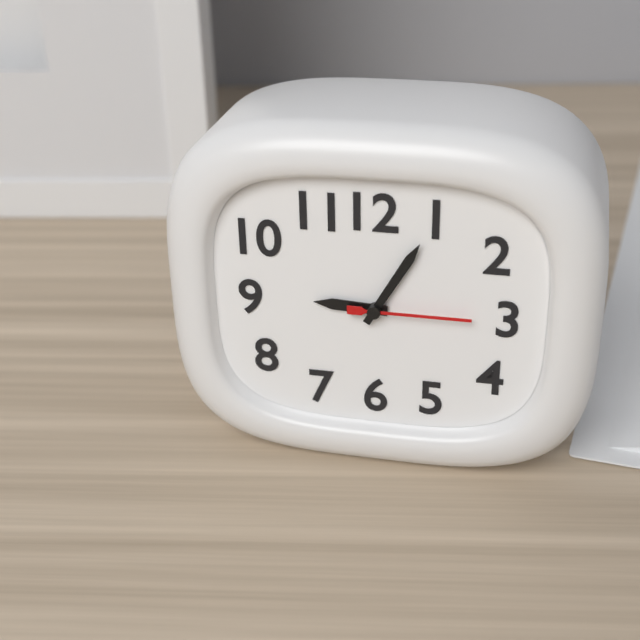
9:05:15
